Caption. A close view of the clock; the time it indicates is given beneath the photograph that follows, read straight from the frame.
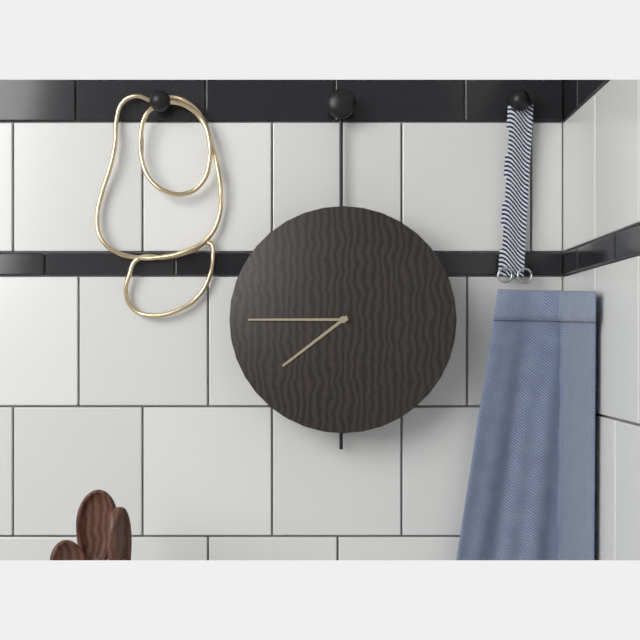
7:45
